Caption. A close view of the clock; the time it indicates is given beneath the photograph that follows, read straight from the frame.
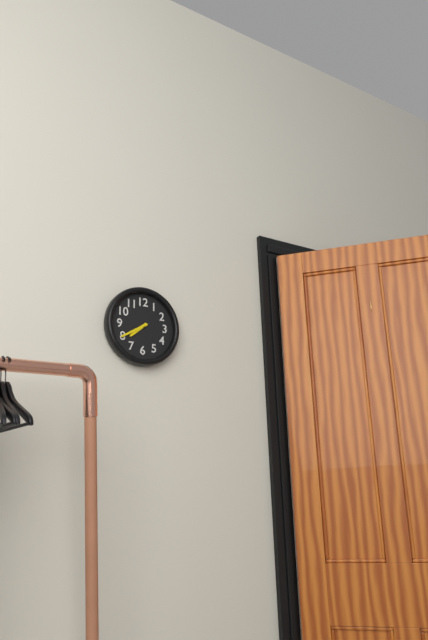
7:40
